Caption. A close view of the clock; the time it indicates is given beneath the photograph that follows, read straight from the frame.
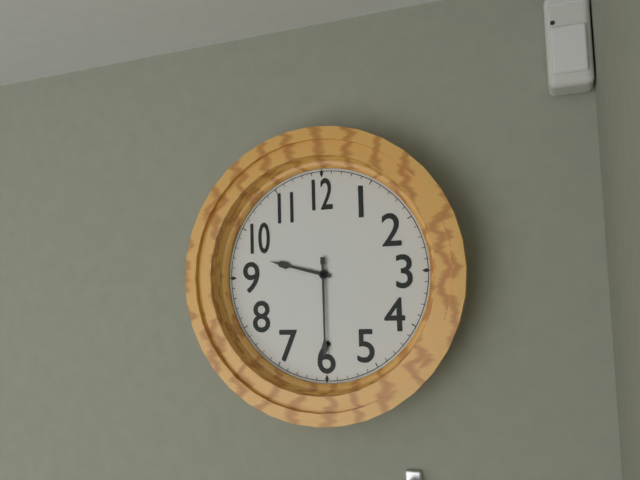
9:30
